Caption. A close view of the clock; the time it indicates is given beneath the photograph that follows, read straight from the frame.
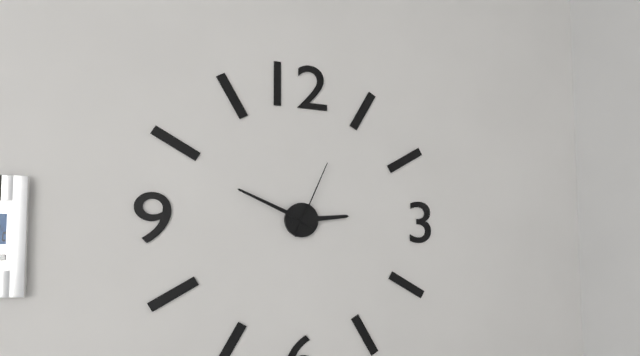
2:49:04
